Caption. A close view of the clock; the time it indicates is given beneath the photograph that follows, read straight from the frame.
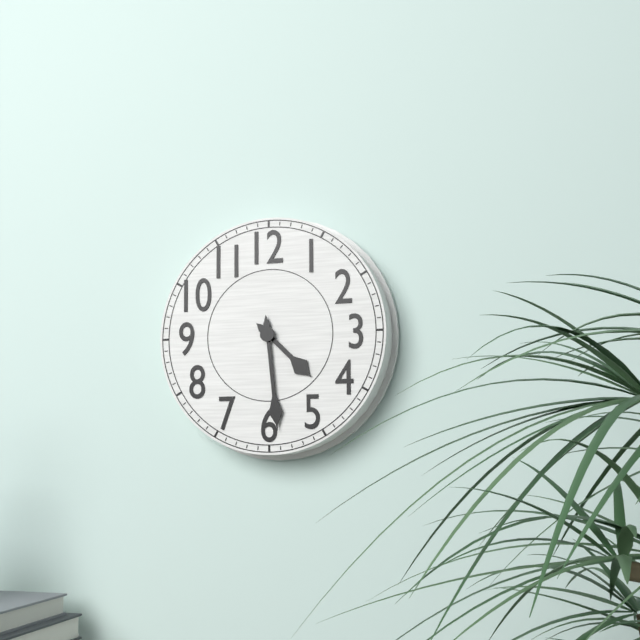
4:29
